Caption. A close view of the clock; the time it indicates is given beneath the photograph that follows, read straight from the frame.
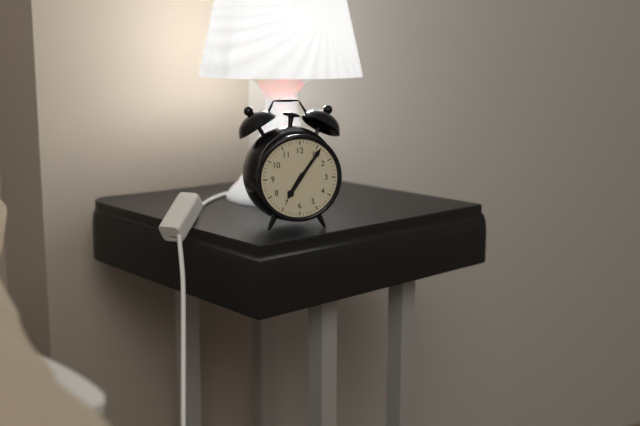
7:06
